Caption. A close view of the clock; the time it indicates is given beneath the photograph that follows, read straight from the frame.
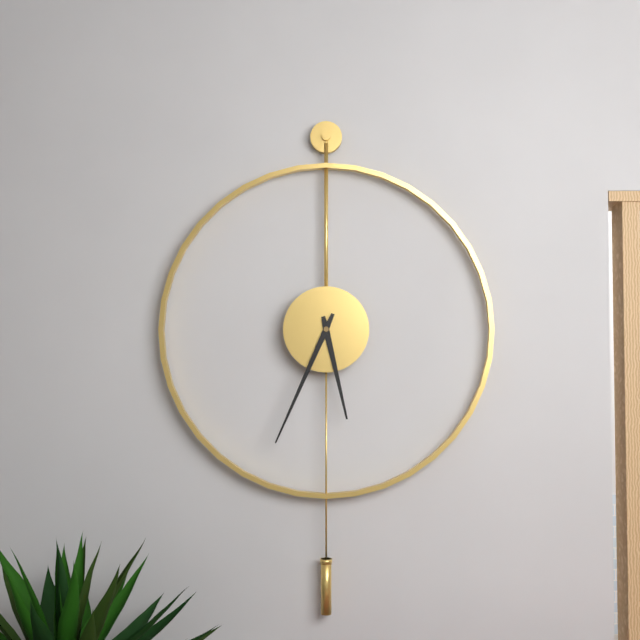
5:34
